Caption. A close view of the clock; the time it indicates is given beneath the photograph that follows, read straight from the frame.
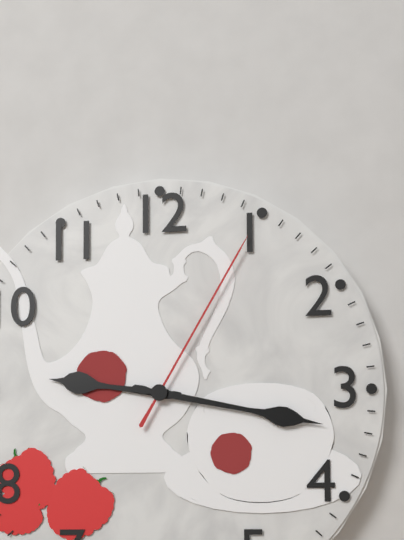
9:17:05
